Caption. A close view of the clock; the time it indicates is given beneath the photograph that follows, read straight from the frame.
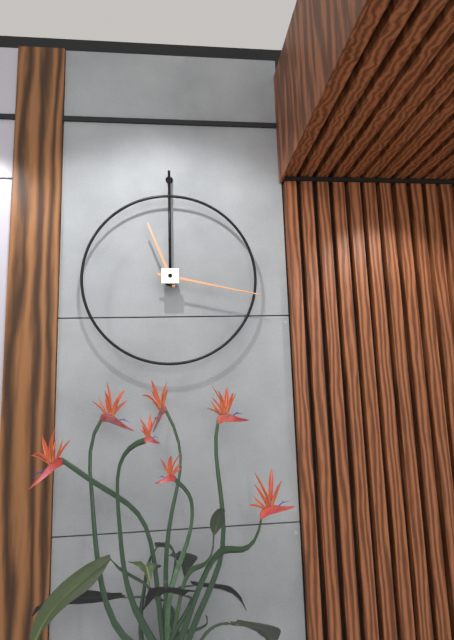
11:17
